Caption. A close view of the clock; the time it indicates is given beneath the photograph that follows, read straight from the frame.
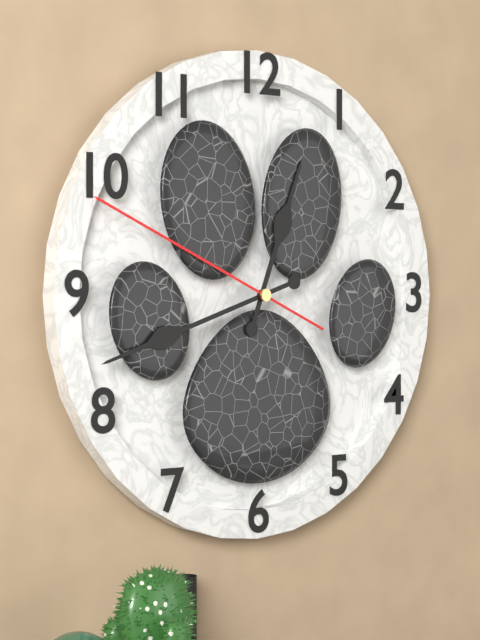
12:42:49
